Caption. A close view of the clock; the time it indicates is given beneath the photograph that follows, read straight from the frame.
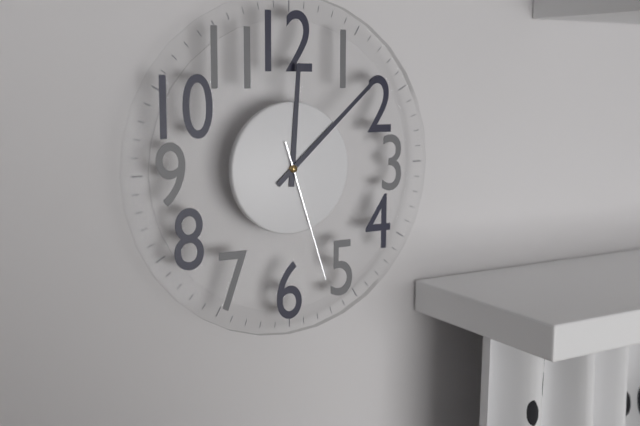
12:08:27
